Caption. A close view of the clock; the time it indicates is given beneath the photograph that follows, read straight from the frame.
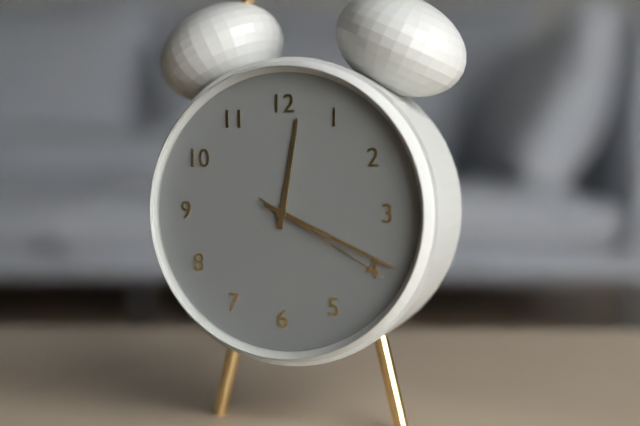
12:19:20
